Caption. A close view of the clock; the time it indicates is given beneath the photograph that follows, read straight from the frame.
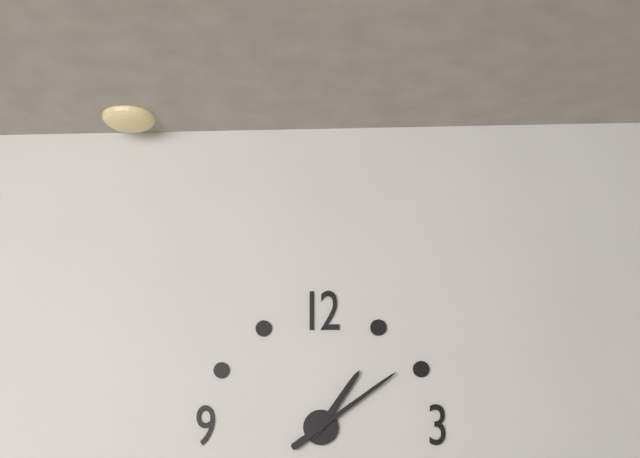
1:09
